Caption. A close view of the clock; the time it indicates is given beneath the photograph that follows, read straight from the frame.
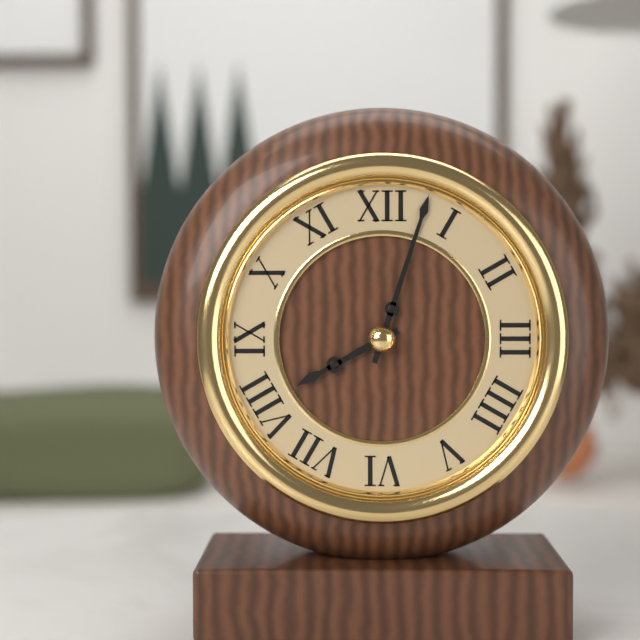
8:03
